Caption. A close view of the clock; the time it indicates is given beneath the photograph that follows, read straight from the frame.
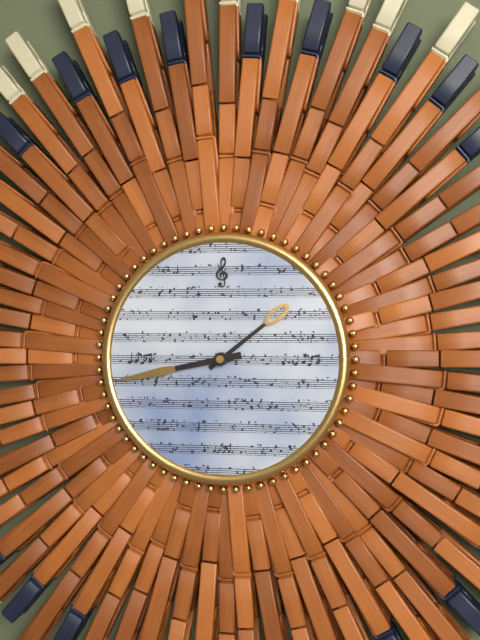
1:43
